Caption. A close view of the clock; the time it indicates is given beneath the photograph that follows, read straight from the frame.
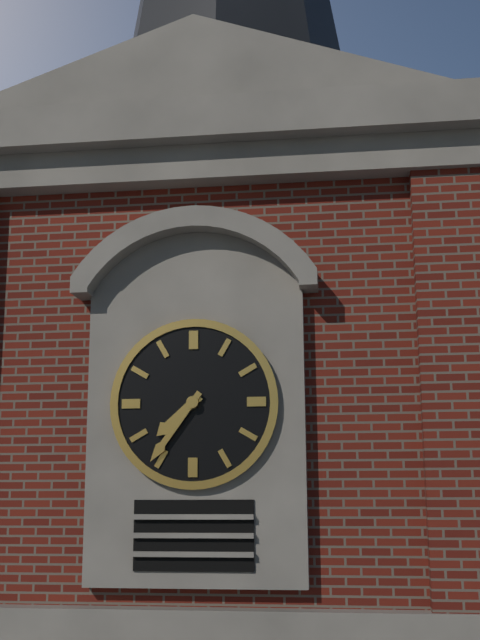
7:36
